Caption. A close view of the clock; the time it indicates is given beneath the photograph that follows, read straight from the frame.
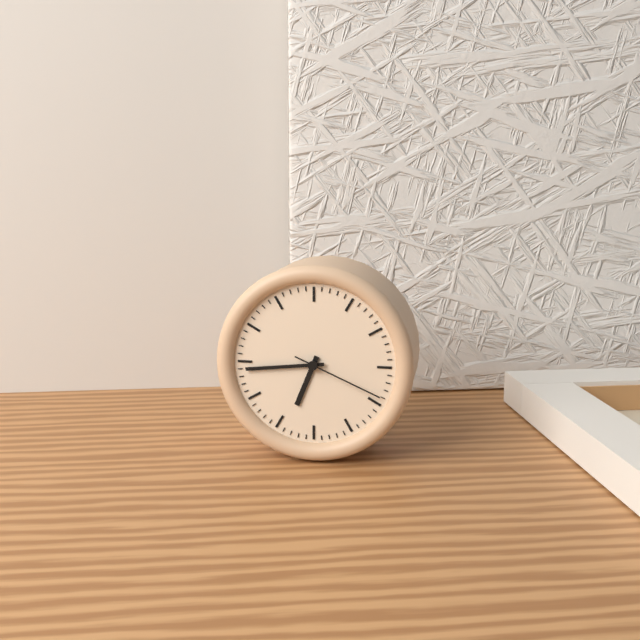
6:44:19
